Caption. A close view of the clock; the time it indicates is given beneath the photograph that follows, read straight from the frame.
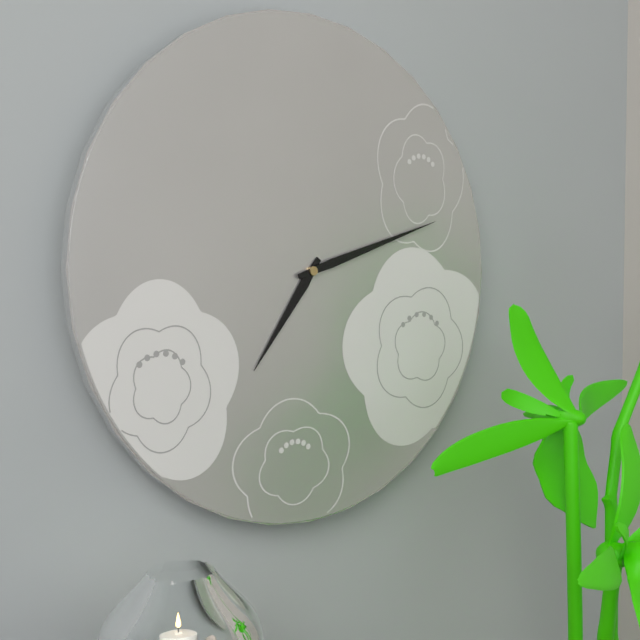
7:12
